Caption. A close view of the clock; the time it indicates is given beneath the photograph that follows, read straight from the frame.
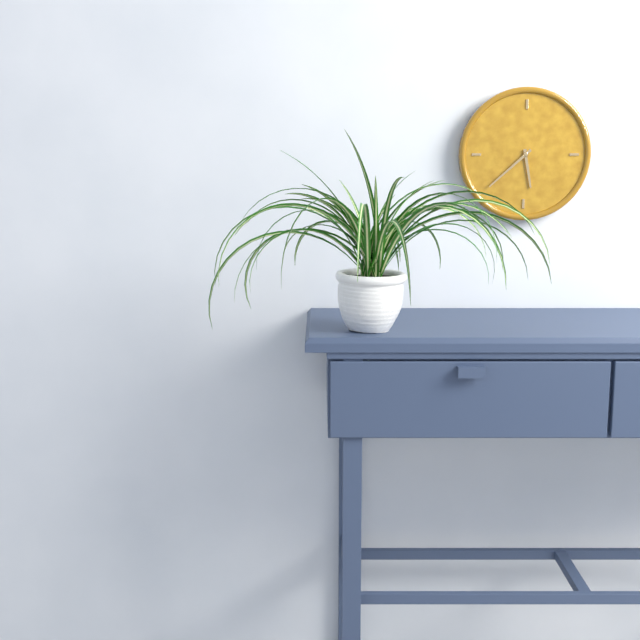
5:38
